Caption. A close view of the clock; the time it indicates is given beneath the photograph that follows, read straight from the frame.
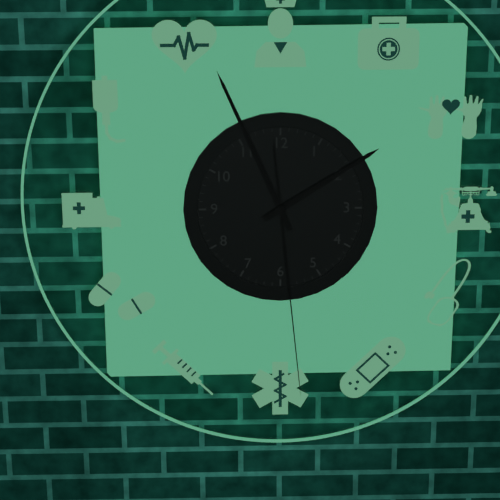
1:56:29
